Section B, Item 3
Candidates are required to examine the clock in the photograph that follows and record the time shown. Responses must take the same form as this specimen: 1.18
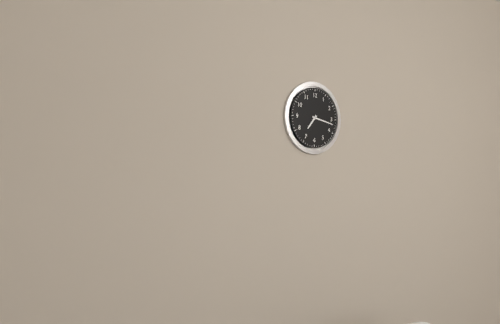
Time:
7.17
